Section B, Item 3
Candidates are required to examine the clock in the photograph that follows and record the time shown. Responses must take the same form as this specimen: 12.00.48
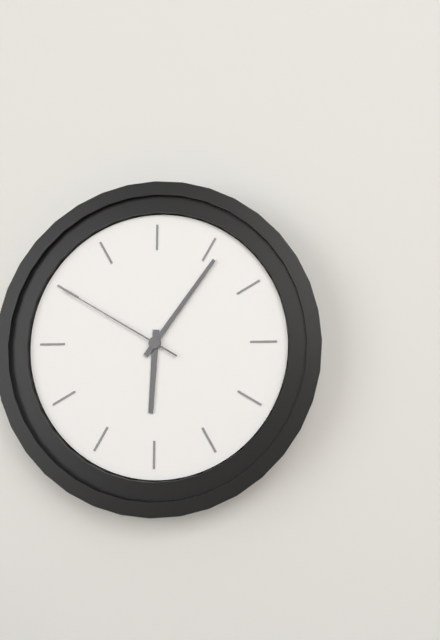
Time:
6.06.50
